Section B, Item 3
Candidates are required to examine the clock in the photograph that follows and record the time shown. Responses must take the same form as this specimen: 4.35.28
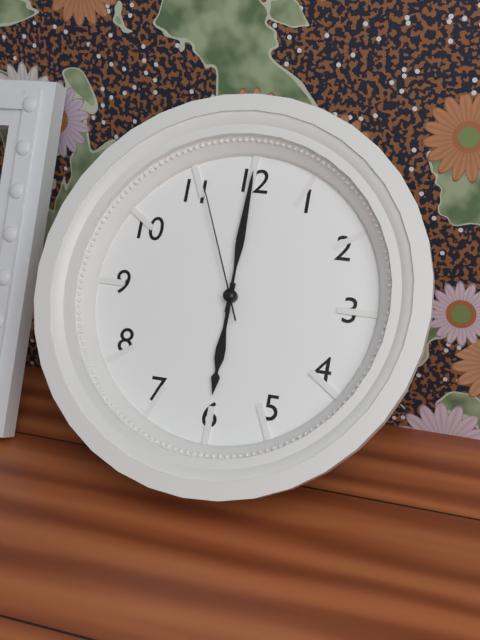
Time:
6.00.56
